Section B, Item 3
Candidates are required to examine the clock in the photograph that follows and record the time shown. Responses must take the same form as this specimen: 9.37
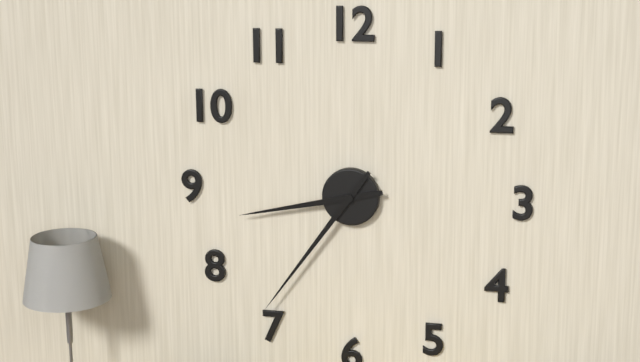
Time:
8.36
